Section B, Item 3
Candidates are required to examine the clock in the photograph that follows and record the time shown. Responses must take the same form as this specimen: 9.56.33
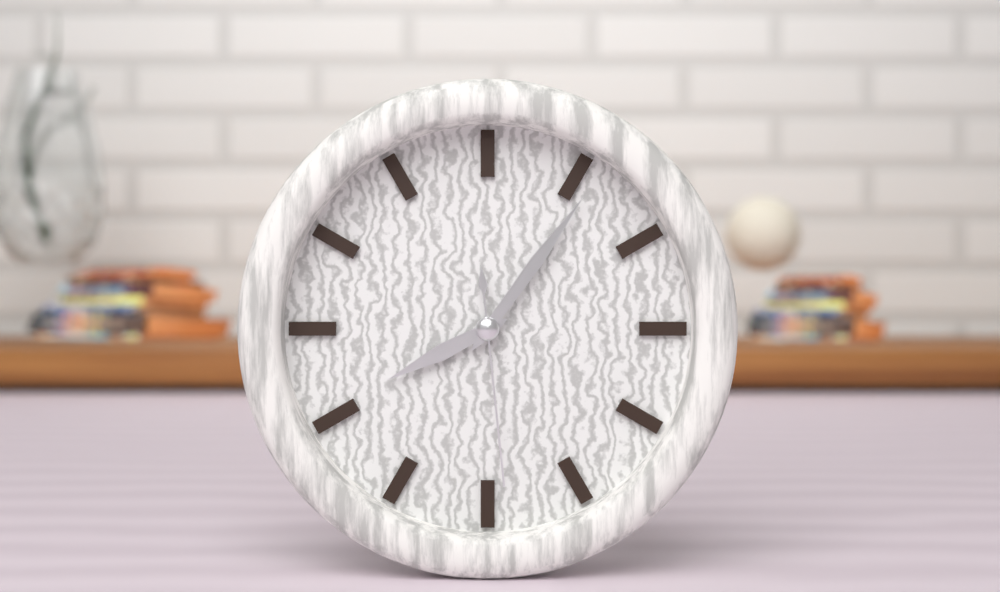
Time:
8.06.29
